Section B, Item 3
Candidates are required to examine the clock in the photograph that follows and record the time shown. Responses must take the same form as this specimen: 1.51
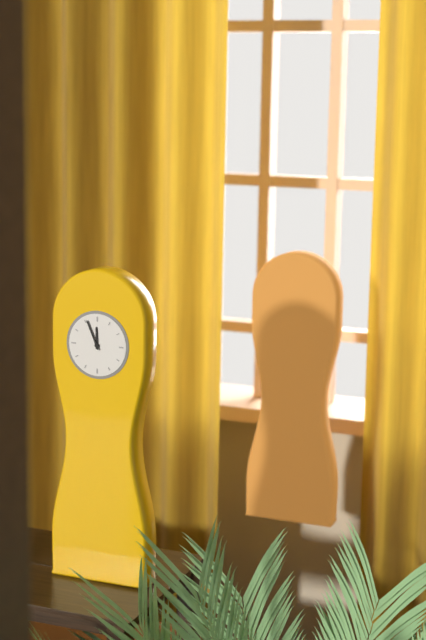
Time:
11.56
